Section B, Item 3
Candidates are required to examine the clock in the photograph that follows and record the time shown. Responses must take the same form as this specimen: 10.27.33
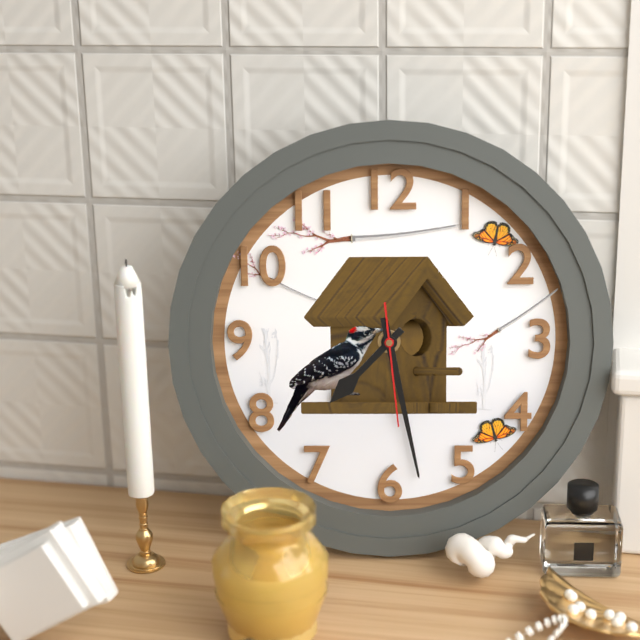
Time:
7.28.29
